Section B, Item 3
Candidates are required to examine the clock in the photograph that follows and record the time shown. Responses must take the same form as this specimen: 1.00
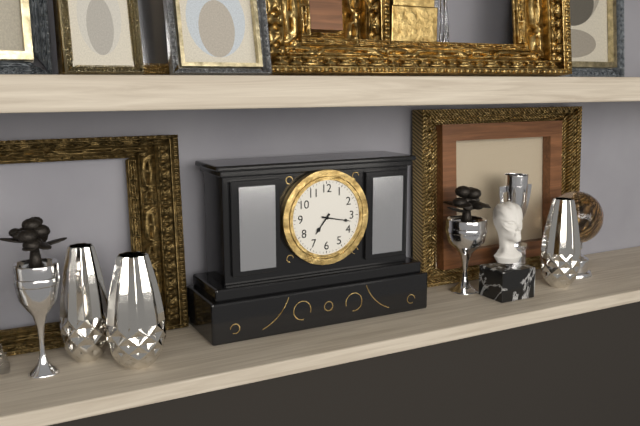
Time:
7.17
